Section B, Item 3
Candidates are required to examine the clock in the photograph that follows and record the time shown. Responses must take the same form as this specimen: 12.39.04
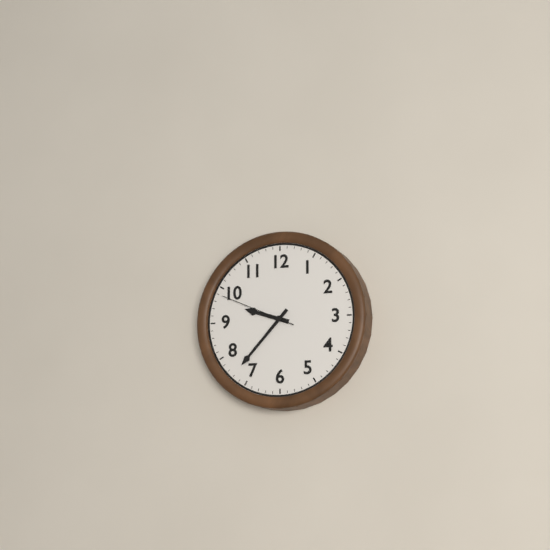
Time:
9.37.49
